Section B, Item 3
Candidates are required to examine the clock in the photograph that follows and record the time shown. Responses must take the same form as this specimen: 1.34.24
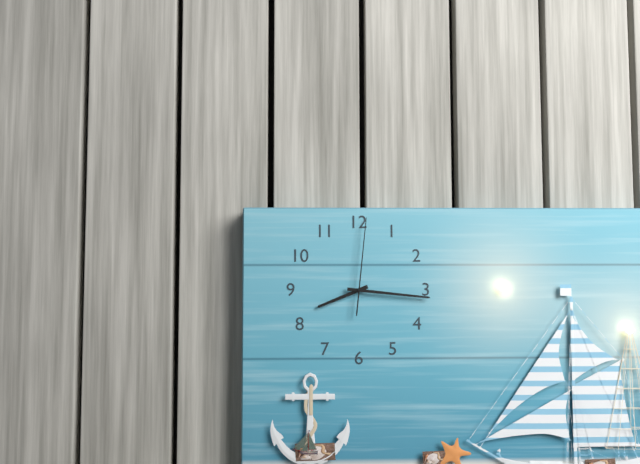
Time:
8.16.01
